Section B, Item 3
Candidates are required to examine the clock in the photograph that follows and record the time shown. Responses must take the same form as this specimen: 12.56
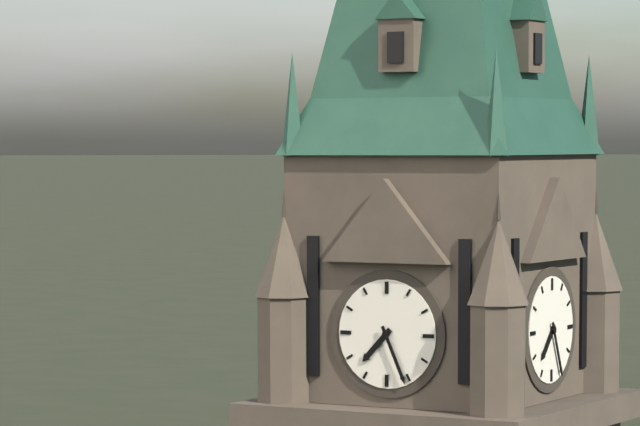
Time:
7.26
